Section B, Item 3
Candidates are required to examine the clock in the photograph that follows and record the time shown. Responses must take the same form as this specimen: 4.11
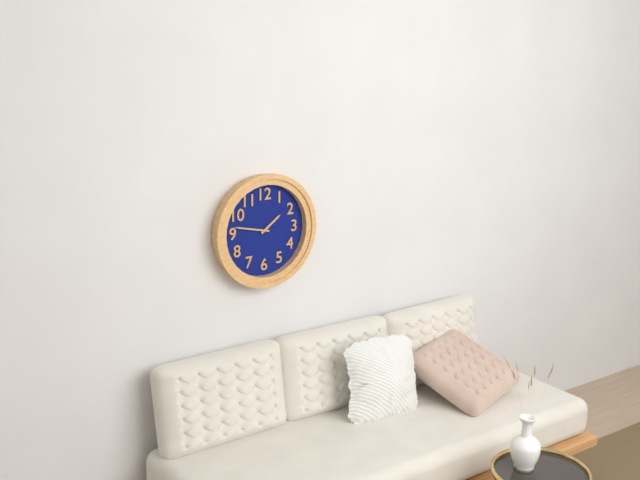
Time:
1.47
